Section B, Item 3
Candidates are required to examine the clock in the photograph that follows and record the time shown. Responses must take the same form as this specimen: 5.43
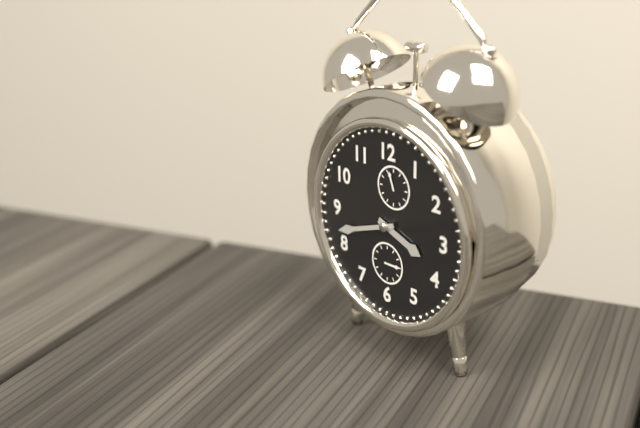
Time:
3.42
